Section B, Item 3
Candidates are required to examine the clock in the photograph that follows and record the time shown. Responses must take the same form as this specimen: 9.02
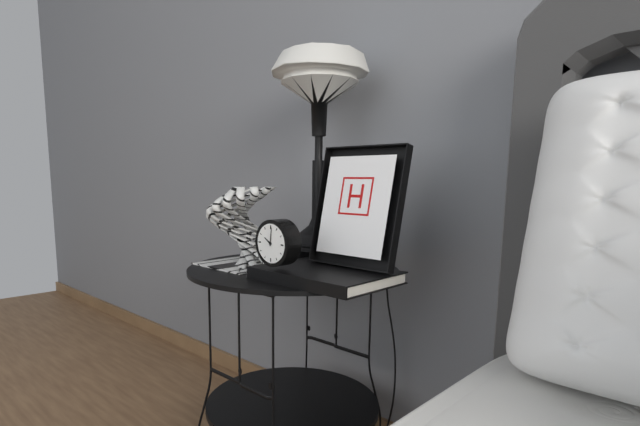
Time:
10.01
